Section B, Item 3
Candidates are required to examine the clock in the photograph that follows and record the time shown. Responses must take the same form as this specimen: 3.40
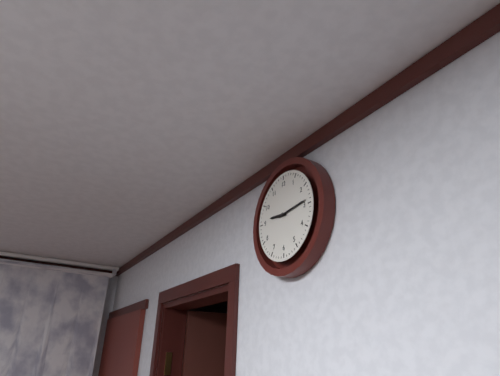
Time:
9.14
